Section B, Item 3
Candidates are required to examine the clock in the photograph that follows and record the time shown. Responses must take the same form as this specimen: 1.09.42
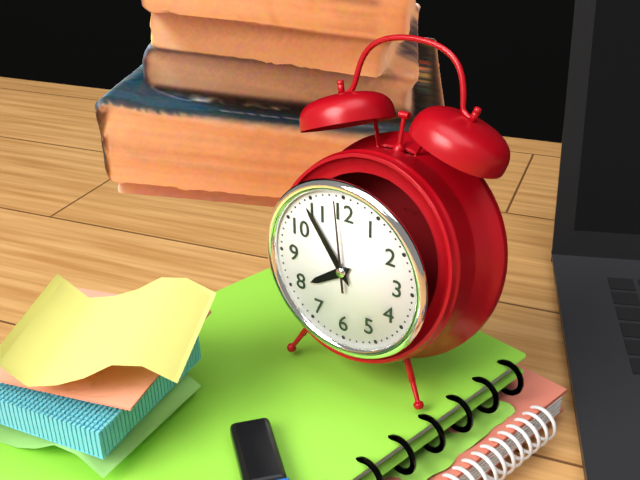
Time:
7.54.59
